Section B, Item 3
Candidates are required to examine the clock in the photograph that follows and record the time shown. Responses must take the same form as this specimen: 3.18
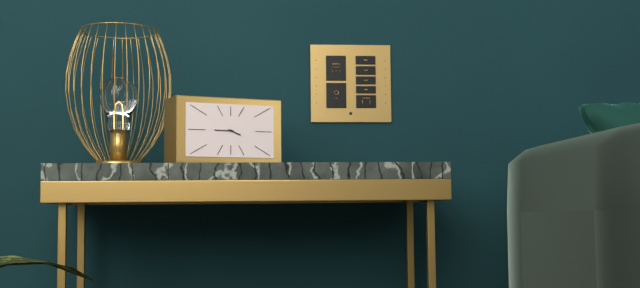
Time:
3.45
